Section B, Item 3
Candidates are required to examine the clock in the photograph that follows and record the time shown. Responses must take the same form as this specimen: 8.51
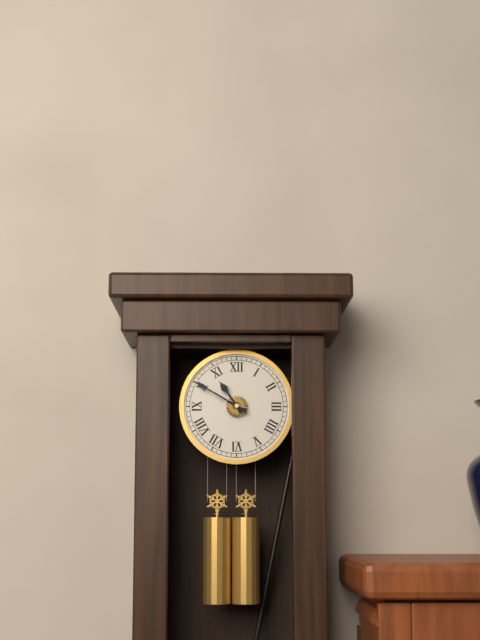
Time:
10.50
